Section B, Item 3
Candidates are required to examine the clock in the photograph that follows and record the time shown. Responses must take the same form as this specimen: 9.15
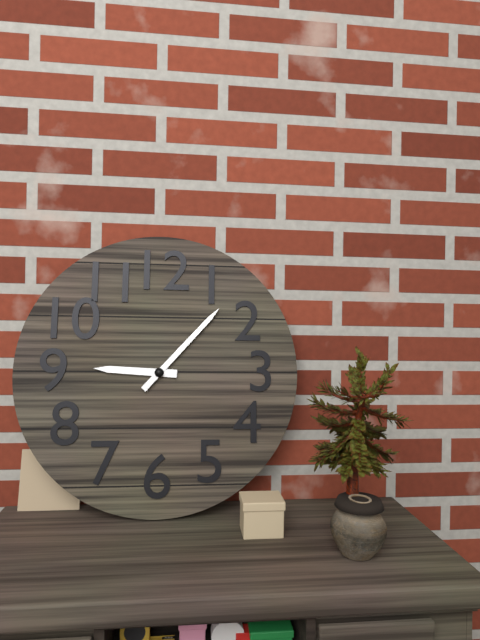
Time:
9.07
